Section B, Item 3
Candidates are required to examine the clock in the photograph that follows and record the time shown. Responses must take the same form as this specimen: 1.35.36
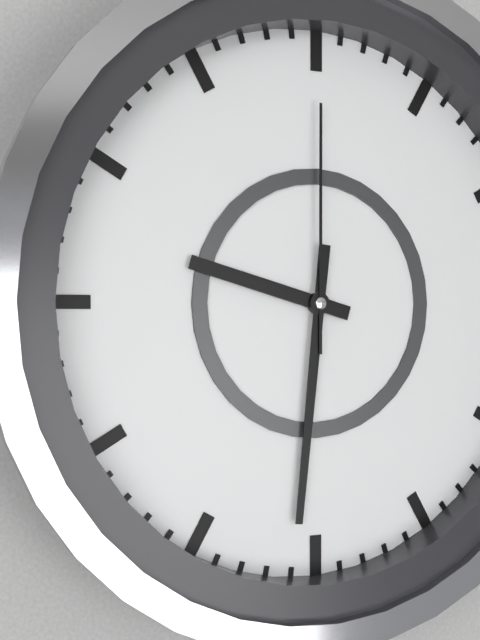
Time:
9.31.00
